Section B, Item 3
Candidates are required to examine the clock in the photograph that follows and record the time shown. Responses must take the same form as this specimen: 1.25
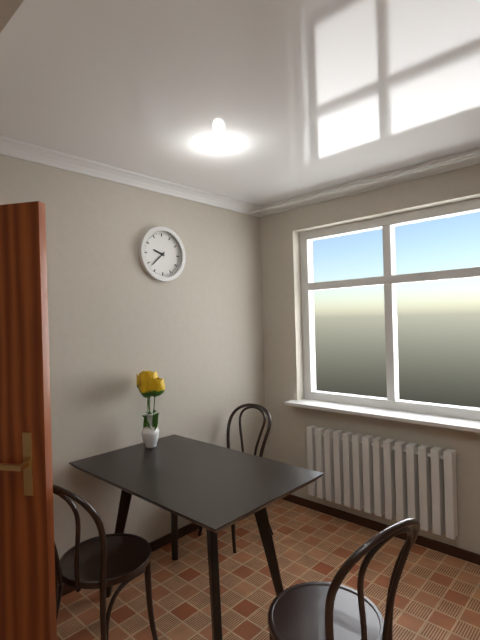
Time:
9.38
